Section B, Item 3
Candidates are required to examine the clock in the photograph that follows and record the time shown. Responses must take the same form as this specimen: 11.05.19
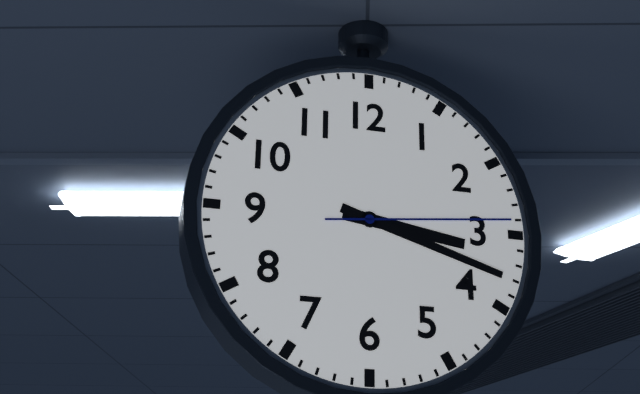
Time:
3.18.14
